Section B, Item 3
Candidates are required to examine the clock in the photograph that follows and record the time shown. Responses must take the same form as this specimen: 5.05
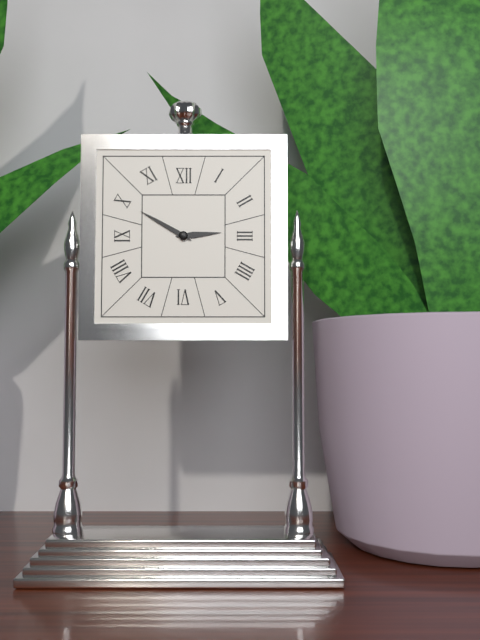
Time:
2.50
